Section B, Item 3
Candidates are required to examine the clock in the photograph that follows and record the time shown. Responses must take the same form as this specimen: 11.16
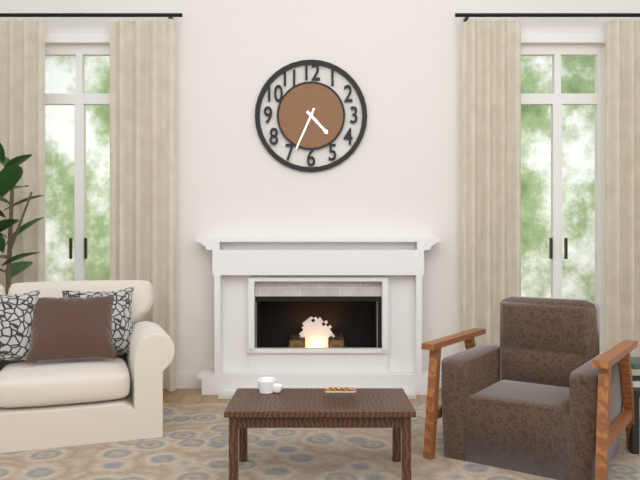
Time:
4.34
